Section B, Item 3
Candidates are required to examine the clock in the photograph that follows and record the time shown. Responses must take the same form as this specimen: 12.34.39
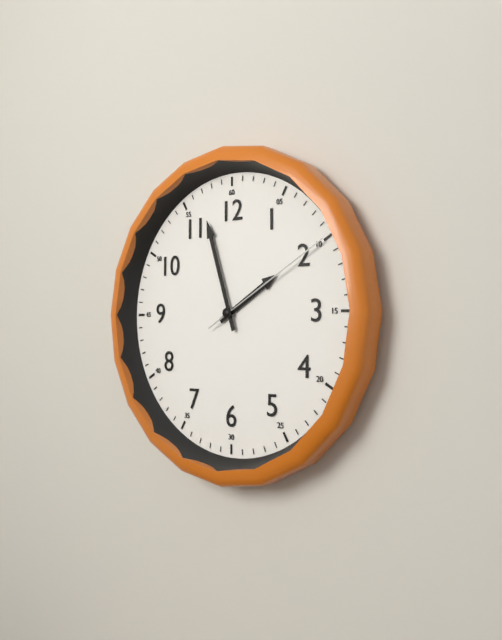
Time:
1.57.10
